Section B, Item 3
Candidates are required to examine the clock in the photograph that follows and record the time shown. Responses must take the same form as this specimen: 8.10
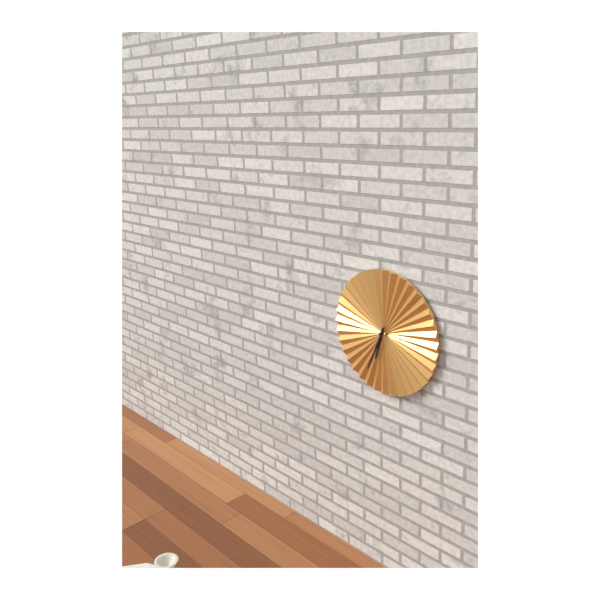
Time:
6.34
